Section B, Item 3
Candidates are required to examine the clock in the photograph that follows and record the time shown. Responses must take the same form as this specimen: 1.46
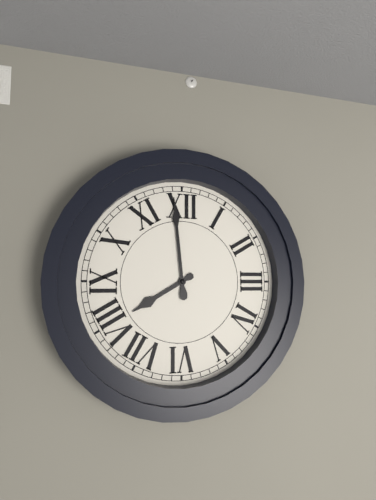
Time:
7.59
